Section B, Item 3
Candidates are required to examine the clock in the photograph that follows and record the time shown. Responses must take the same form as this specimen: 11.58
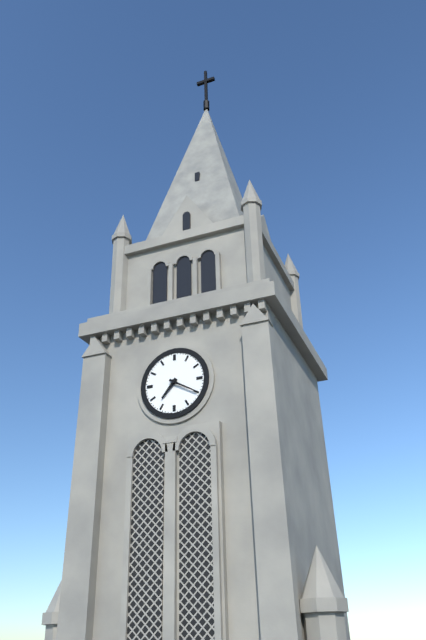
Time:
7.20
